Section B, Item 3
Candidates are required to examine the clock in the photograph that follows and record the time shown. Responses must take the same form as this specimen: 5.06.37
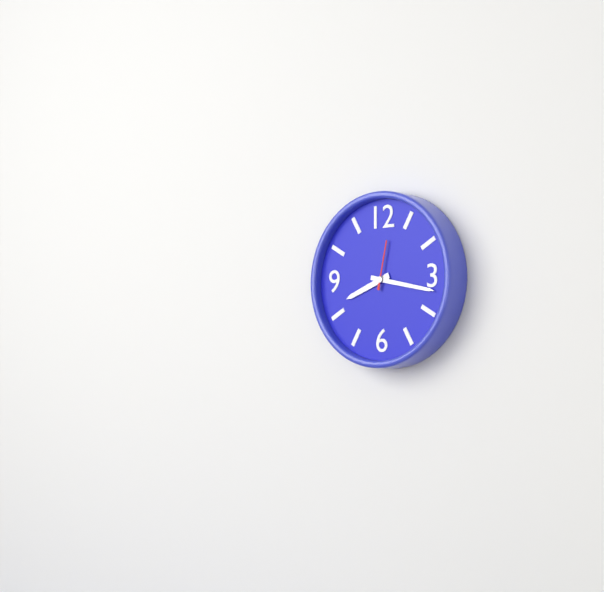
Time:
8.17.02
